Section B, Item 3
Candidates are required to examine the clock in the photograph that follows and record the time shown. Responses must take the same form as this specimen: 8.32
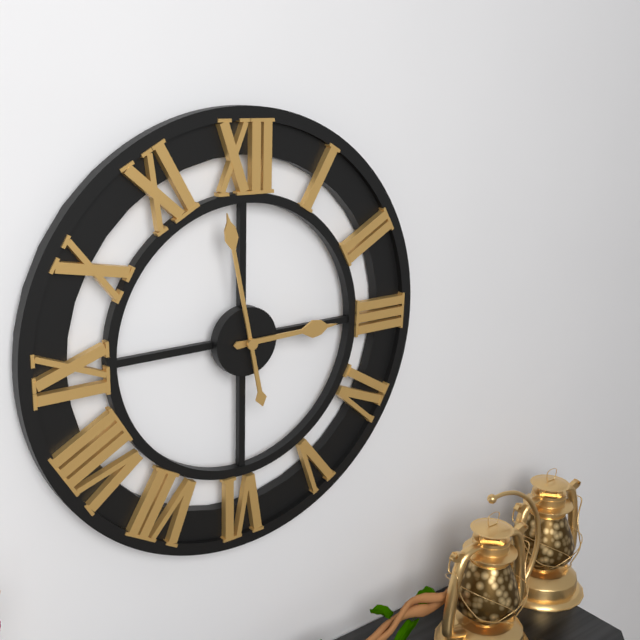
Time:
2.58
